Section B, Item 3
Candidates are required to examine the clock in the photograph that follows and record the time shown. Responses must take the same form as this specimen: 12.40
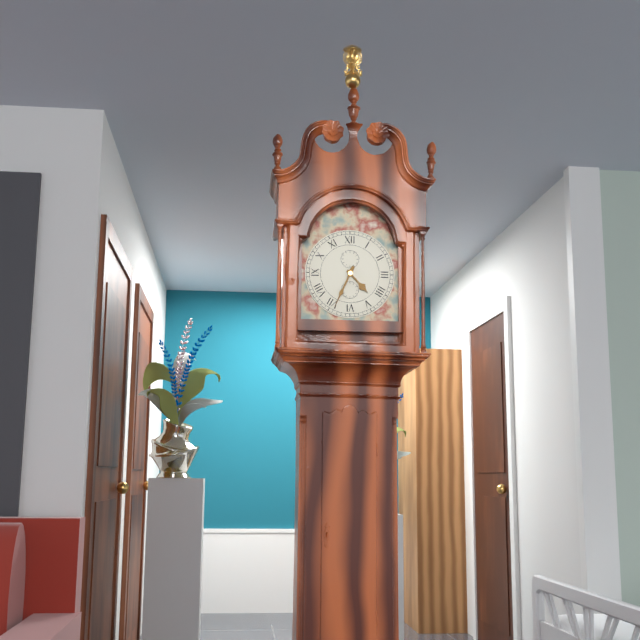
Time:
4.34
